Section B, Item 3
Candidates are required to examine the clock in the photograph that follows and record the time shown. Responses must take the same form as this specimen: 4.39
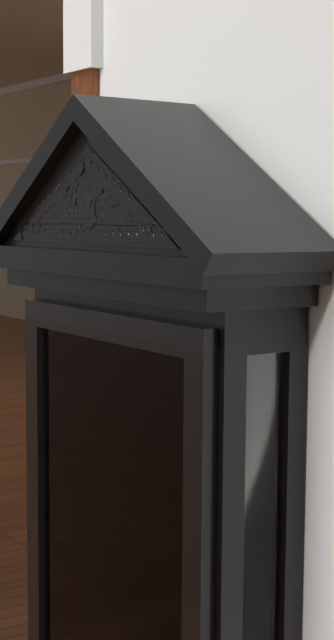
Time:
5.01
